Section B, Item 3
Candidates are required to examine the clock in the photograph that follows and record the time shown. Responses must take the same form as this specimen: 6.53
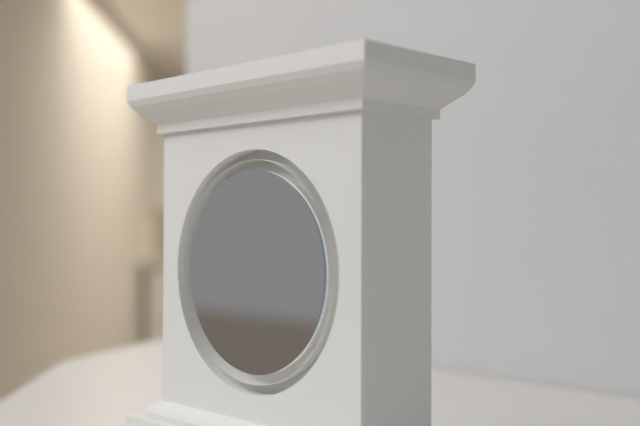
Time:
10.24
